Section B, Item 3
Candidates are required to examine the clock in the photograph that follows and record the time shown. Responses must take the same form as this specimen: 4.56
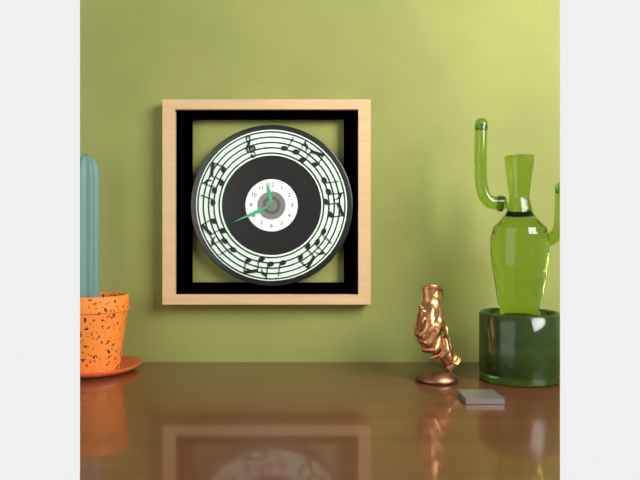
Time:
11.41
